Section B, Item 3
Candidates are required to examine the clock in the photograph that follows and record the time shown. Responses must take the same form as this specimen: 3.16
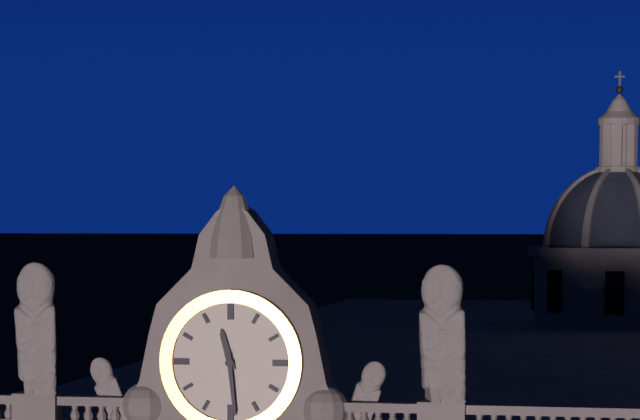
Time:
11.29
